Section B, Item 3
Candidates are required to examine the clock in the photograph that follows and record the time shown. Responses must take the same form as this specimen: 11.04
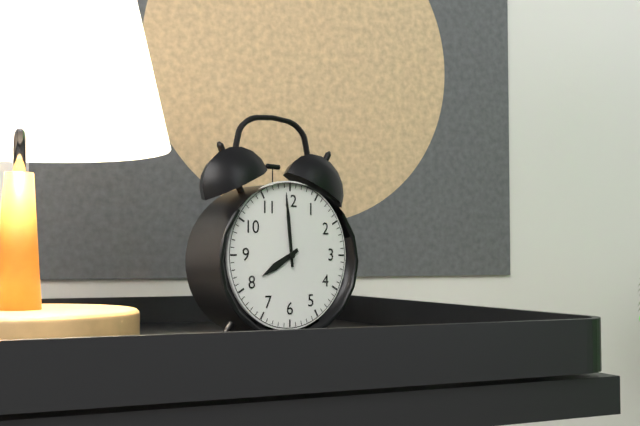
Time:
7.59
